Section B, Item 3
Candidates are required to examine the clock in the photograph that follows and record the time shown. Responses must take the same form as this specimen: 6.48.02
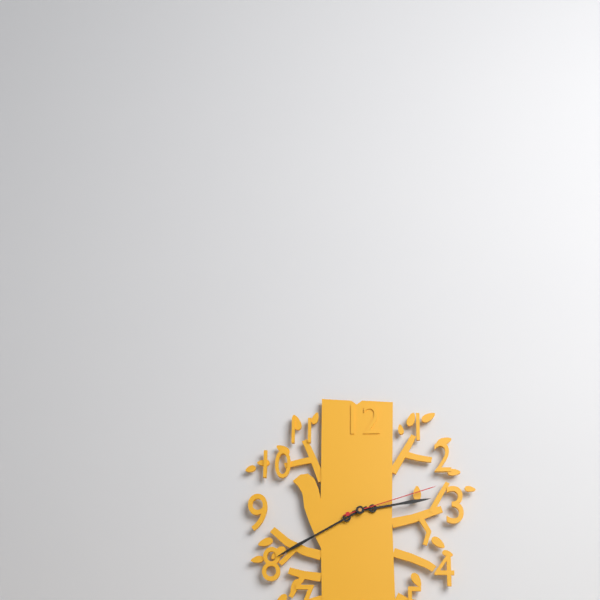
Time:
2.40.12
